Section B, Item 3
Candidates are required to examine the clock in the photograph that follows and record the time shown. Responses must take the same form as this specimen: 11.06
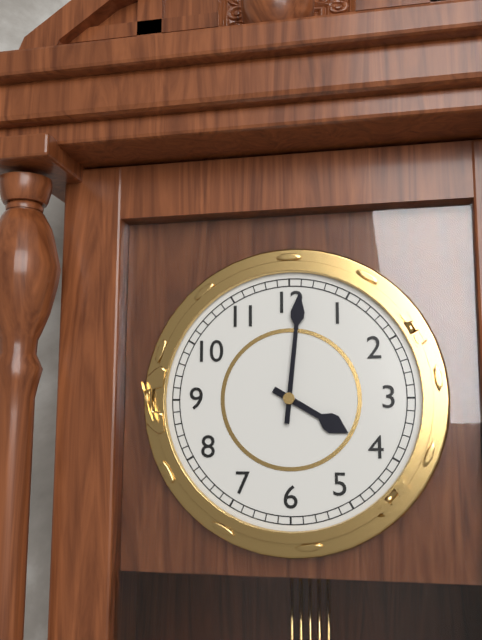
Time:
4.01
